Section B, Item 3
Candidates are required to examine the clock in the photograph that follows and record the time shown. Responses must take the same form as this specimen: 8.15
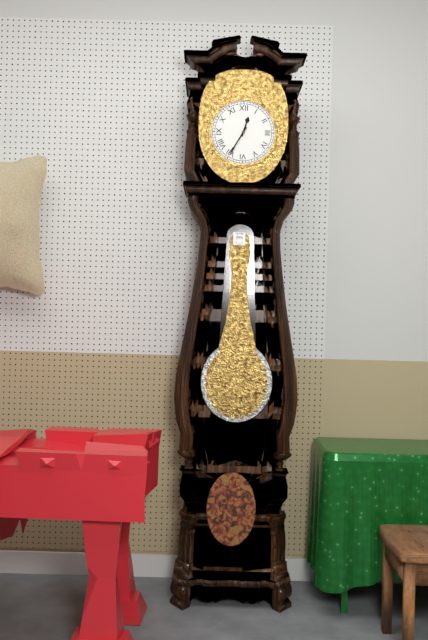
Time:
12.35
